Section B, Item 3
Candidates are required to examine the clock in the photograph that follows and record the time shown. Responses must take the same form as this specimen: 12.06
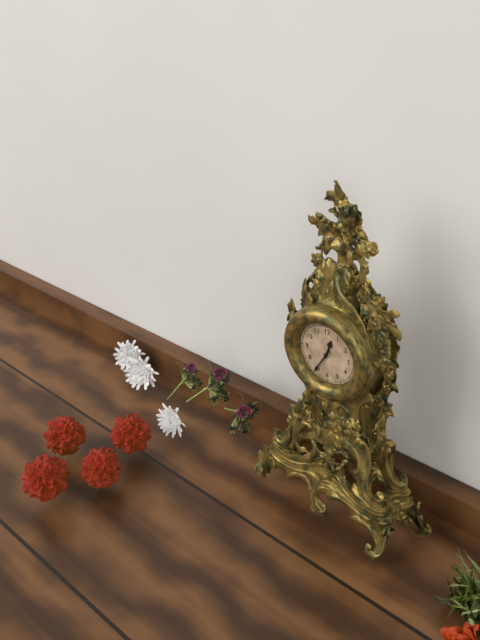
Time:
12.35
